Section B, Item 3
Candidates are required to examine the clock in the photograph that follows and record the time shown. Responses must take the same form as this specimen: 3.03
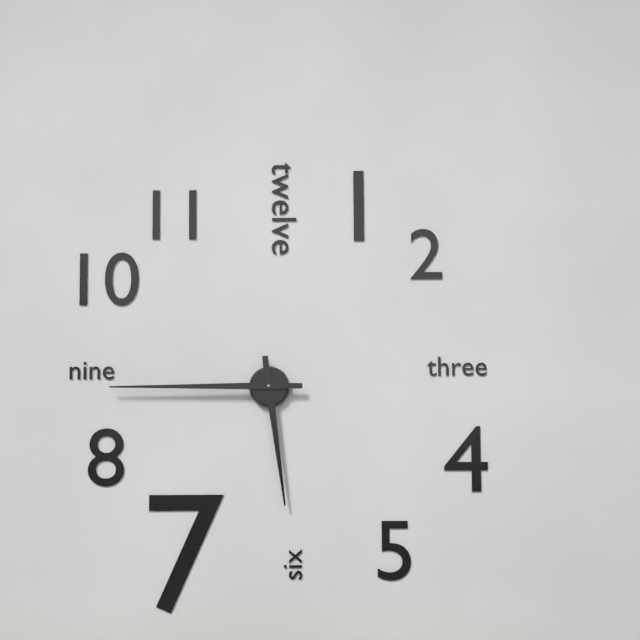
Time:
5.45
